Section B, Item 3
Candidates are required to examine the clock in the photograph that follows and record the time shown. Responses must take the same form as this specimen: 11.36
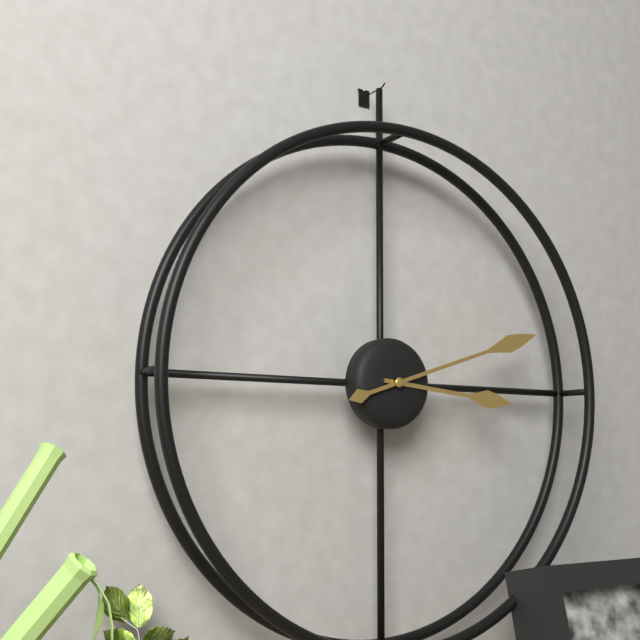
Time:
3.12
